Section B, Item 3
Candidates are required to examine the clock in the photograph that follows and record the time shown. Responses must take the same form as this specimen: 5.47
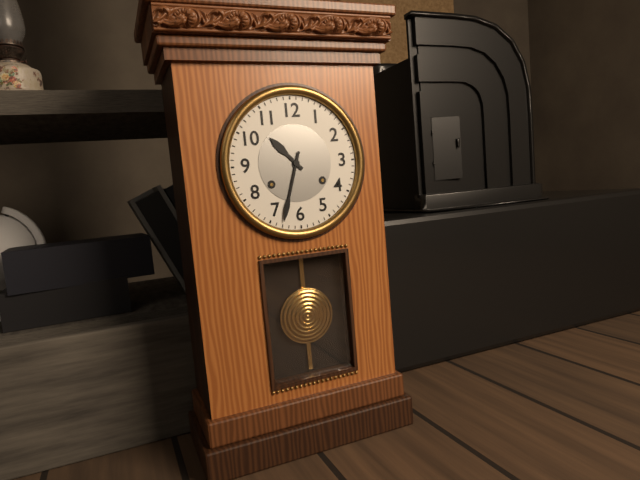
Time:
10.33
